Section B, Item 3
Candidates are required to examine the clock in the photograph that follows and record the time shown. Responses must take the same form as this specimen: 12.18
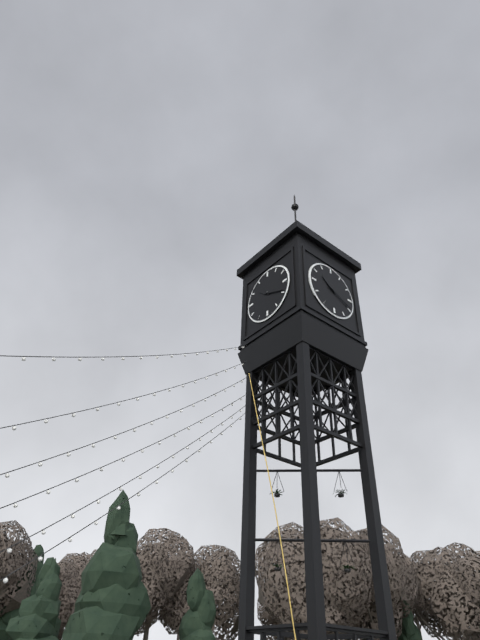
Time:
10.19
